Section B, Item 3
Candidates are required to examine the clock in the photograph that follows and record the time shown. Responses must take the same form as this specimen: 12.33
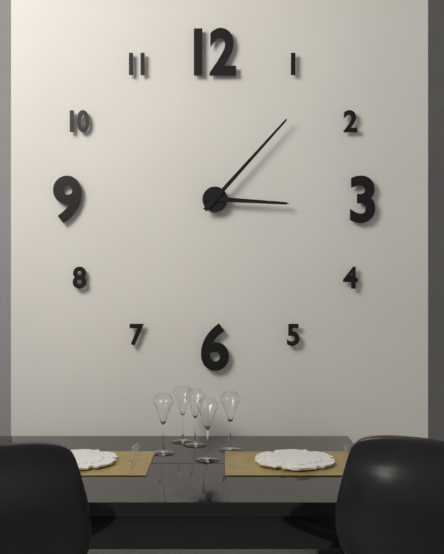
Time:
3.07
